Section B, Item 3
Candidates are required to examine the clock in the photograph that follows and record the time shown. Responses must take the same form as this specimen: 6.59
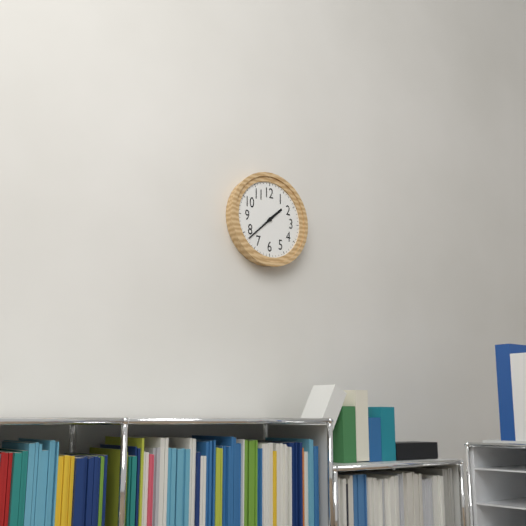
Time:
1.38
